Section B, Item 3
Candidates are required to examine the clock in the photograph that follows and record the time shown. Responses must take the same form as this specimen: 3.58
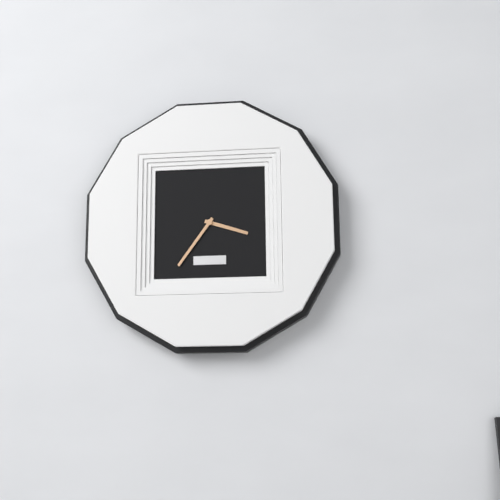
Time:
3.36
